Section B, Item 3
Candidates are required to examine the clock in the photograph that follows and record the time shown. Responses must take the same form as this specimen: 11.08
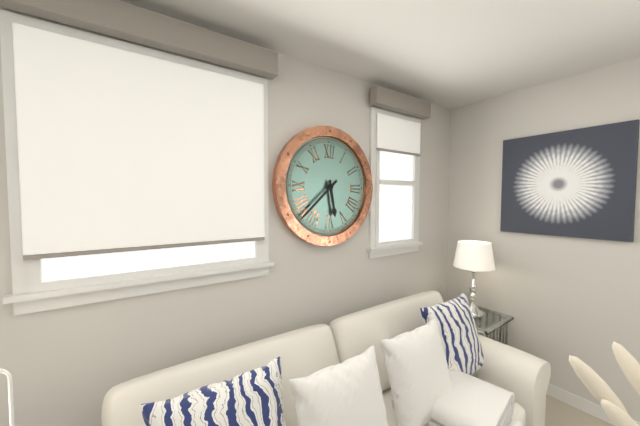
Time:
5.38
